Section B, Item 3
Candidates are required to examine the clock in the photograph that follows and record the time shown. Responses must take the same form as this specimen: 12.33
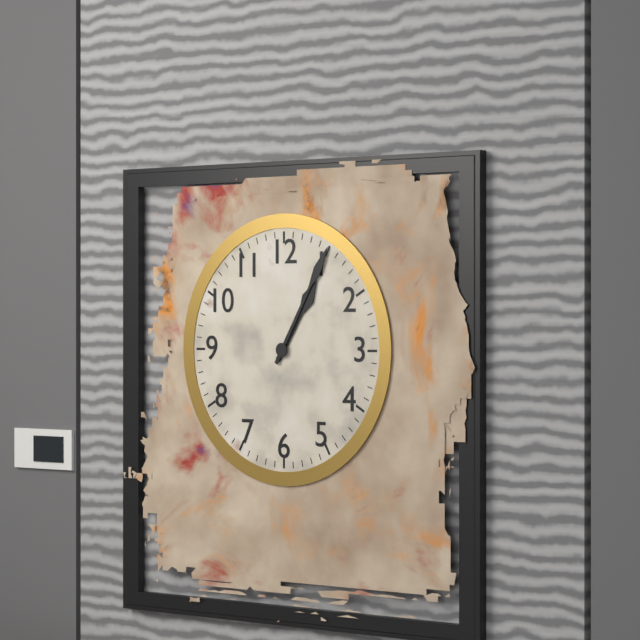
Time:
1.05
